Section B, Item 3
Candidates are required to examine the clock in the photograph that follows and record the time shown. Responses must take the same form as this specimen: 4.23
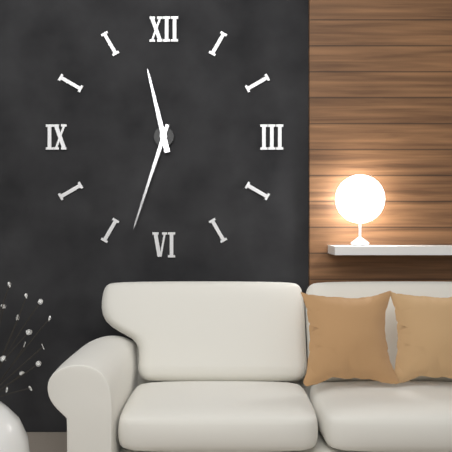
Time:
11.33
